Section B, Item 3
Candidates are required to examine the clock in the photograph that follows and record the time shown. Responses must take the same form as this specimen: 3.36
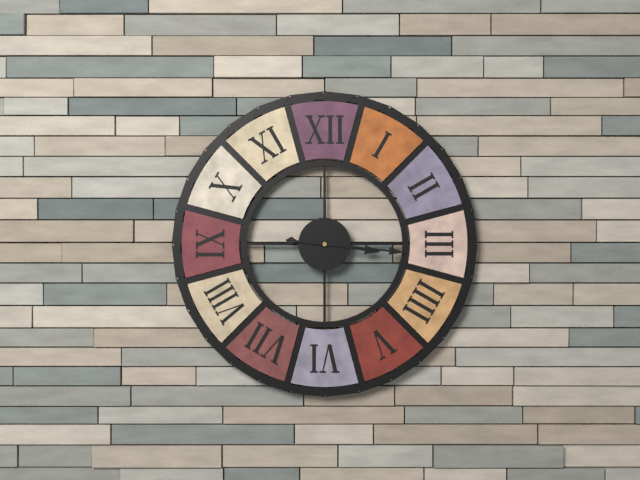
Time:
3.16
